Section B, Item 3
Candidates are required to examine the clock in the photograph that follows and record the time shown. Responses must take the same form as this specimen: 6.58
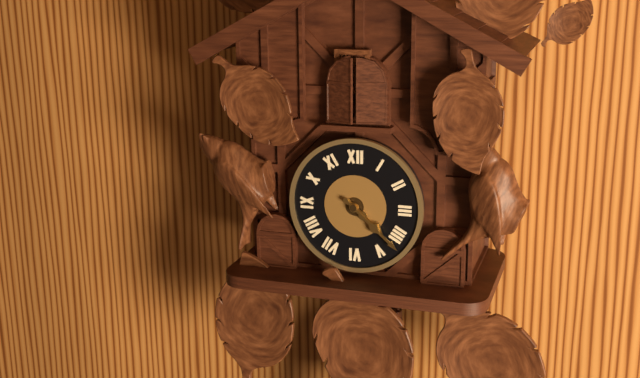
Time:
4.22
